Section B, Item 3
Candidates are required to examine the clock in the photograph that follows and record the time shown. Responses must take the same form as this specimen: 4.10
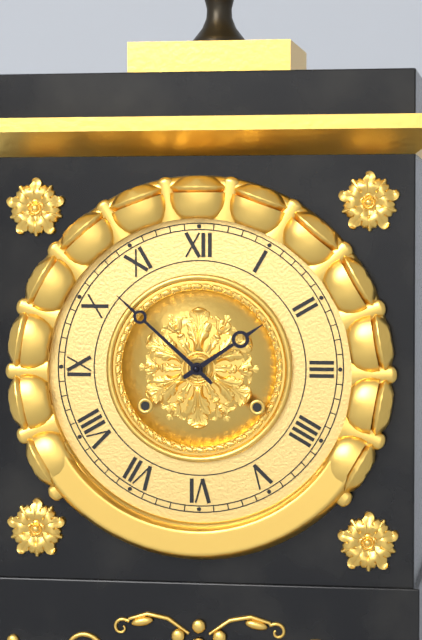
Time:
1.52
